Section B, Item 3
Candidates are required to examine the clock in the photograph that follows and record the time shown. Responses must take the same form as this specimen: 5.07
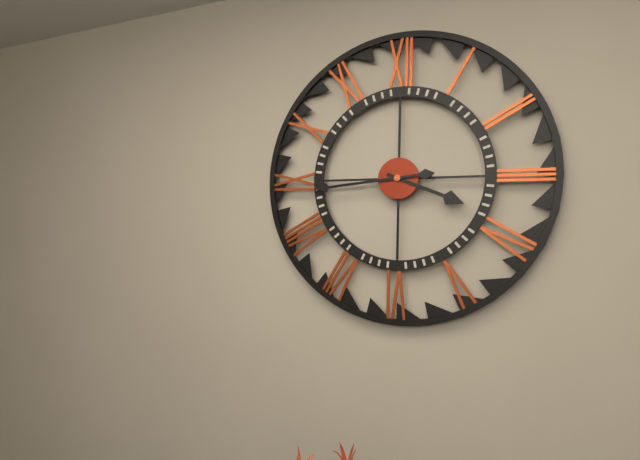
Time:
3.44
